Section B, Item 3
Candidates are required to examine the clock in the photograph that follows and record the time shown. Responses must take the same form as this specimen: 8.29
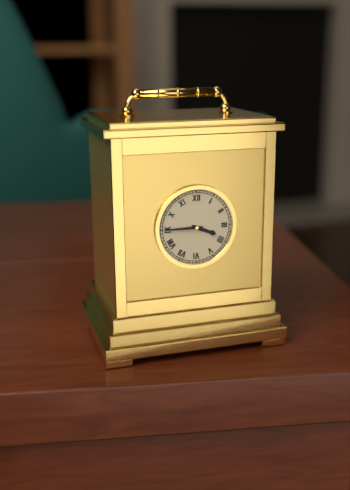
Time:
3.45
